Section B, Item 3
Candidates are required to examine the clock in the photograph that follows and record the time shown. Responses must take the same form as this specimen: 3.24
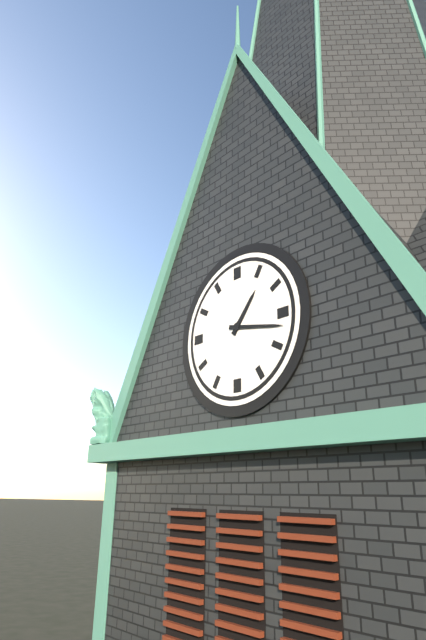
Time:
1.17
